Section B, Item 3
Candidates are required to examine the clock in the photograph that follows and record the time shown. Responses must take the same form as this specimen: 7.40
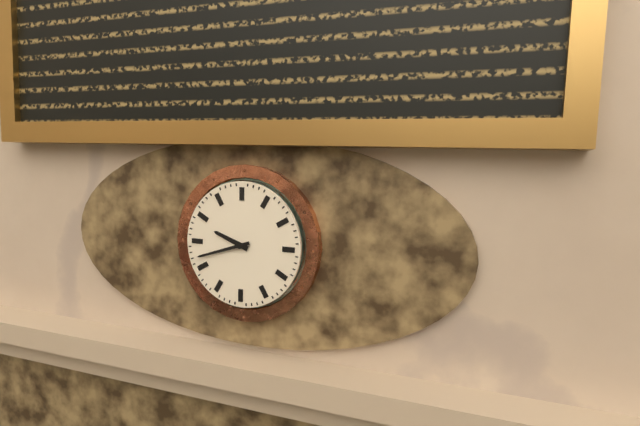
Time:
9.42
